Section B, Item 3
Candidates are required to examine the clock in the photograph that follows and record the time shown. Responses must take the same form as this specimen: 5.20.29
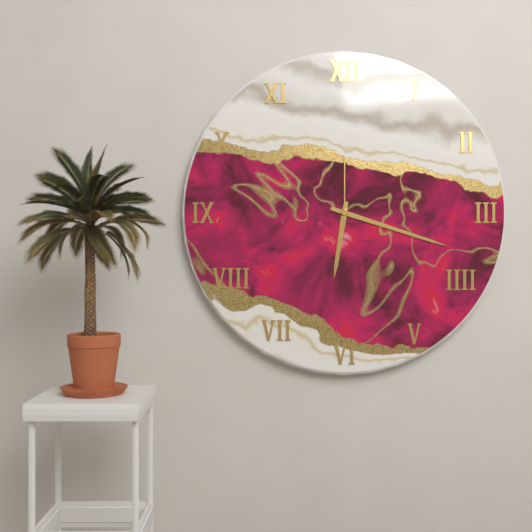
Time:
6.18.00
